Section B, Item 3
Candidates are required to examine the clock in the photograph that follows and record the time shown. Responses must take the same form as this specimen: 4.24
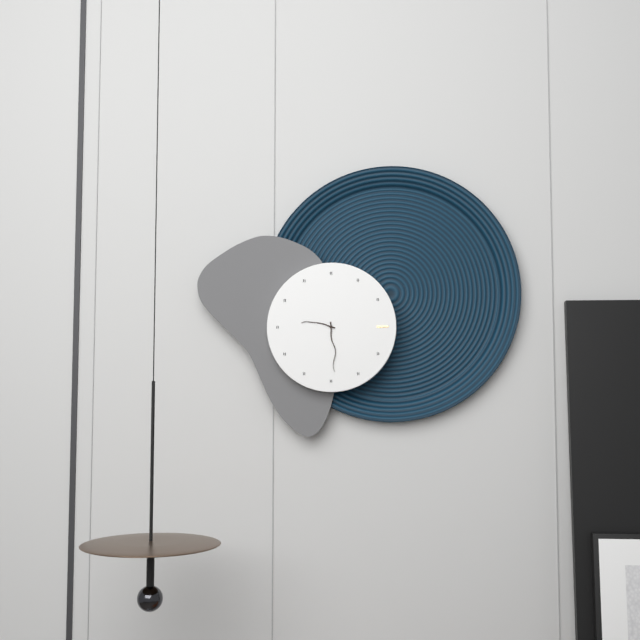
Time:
9.29
